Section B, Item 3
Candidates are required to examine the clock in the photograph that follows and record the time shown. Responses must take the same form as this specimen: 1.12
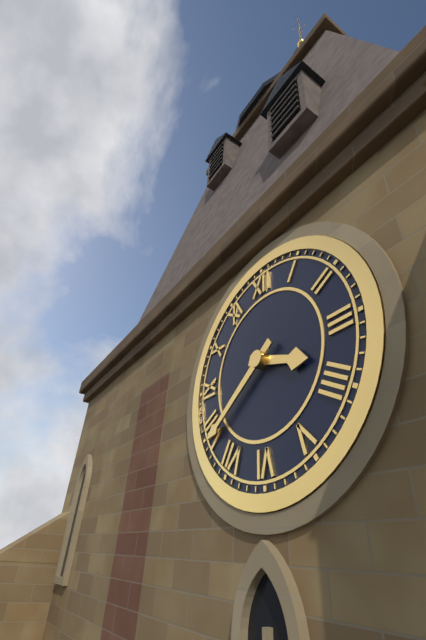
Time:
3.39
